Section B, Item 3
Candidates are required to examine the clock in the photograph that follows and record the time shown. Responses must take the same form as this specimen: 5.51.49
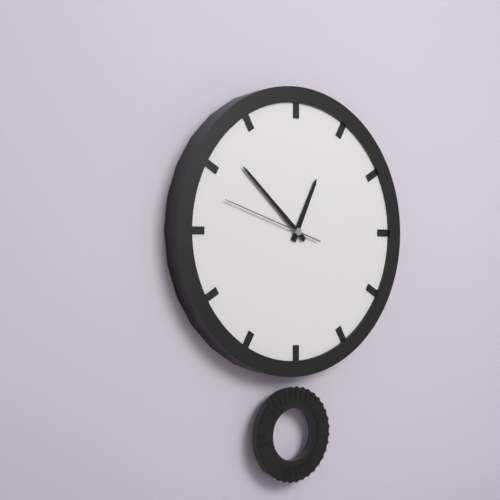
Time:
12.52.48
